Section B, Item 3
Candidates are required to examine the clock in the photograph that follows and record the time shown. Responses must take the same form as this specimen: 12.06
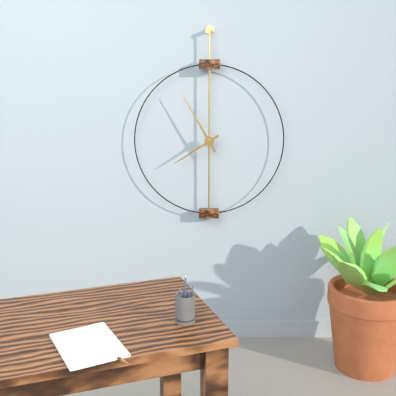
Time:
7.55
